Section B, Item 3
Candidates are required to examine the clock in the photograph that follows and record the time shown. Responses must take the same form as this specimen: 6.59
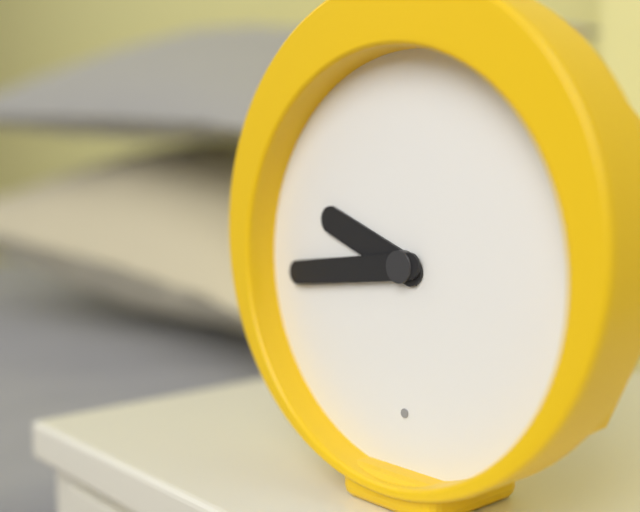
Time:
9.44
